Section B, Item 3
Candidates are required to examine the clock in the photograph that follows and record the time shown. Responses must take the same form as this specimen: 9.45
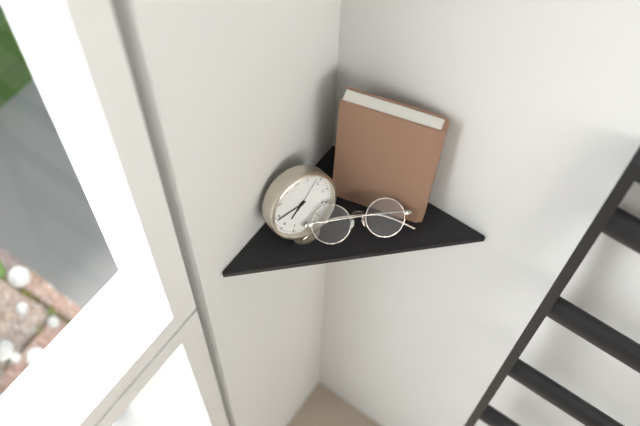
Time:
7.44
